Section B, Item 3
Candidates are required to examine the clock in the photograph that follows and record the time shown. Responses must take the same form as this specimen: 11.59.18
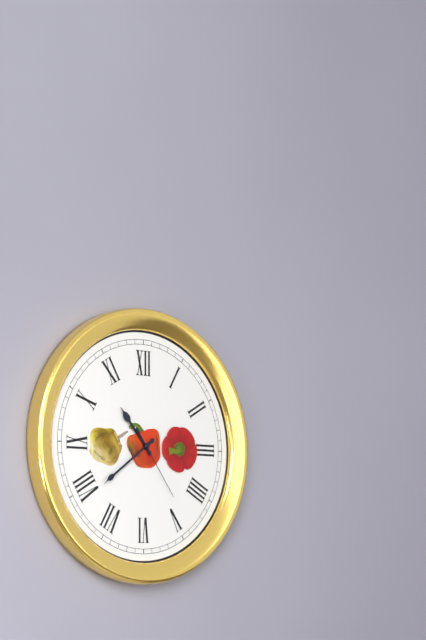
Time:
10.39.24
